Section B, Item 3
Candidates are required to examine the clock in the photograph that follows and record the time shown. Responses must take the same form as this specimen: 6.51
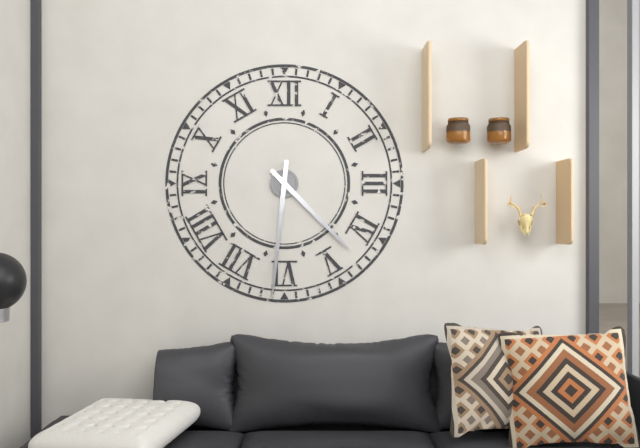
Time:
4.31
